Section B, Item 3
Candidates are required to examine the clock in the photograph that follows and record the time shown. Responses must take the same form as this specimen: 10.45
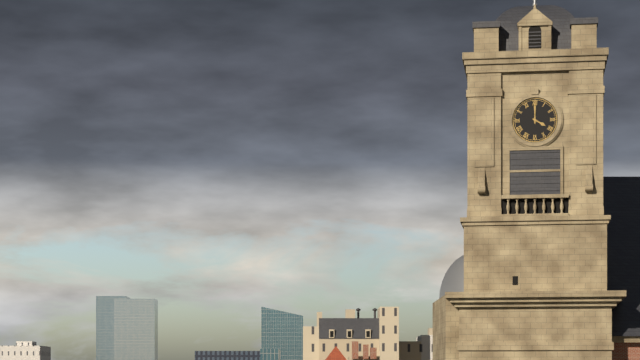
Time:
4.00
